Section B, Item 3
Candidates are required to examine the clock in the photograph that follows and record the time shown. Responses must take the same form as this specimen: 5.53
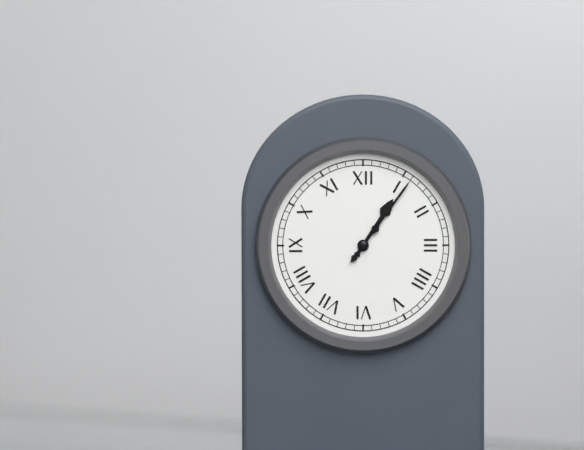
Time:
1.06
